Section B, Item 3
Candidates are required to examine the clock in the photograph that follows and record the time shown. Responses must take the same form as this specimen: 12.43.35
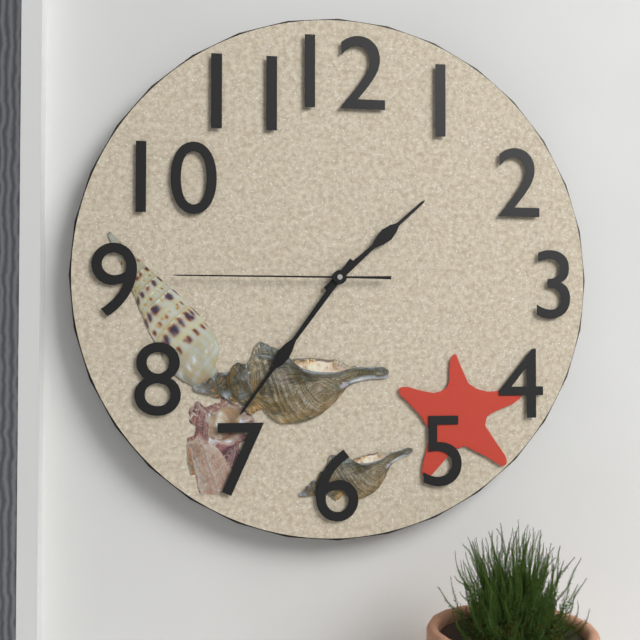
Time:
1.36.45
